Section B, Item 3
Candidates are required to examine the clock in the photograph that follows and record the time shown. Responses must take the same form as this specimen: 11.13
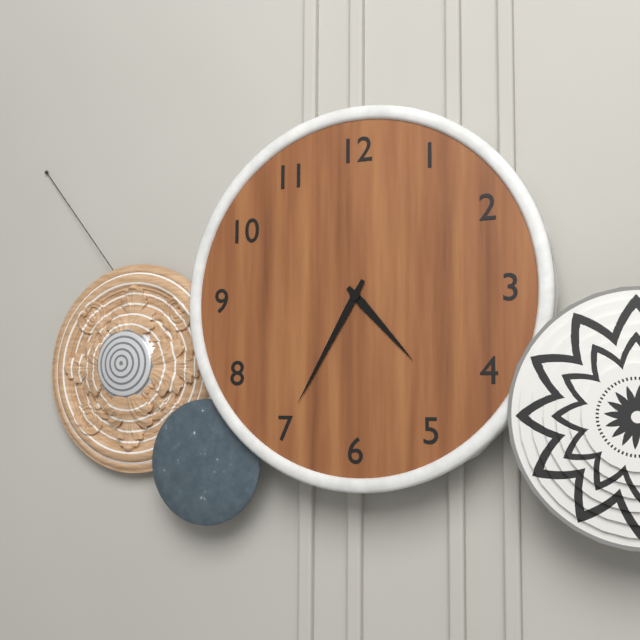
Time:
4.35
